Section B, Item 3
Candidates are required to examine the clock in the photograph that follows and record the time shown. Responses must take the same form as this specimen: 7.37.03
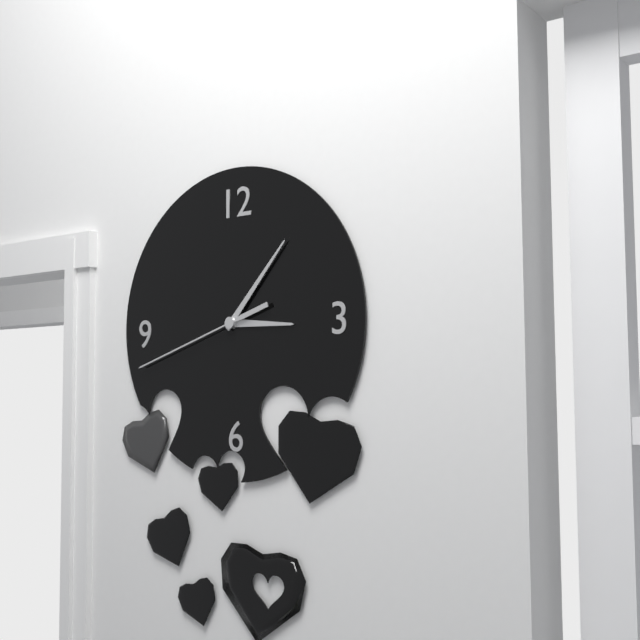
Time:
3.07.42
